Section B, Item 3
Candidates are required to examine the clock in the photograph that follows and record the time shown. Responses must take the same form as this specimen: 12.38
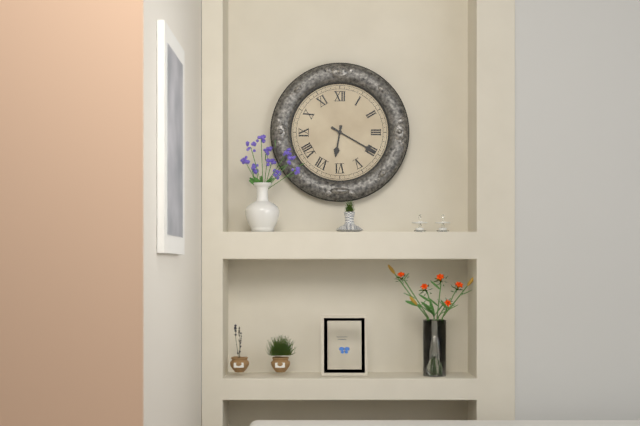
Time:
6.20
